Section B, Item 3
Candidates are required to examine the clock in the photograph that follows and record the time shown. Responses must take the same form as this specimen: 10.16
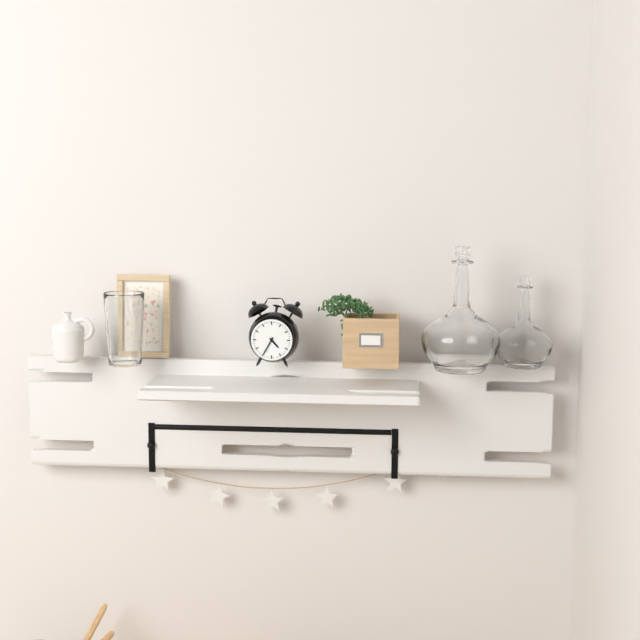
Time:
4.35
